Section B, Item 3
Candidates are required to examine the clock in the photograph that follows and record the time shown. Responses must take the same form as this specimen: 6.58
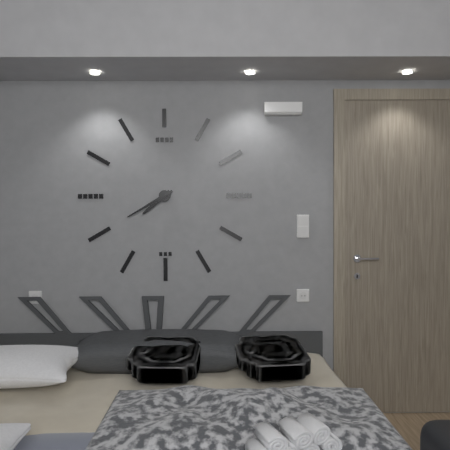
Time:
7.40
